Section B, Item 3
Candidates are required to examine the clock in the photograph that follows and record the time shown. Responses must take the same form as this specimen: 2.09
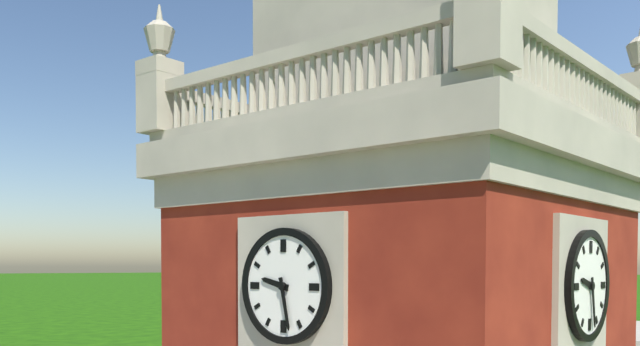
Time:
9.28
